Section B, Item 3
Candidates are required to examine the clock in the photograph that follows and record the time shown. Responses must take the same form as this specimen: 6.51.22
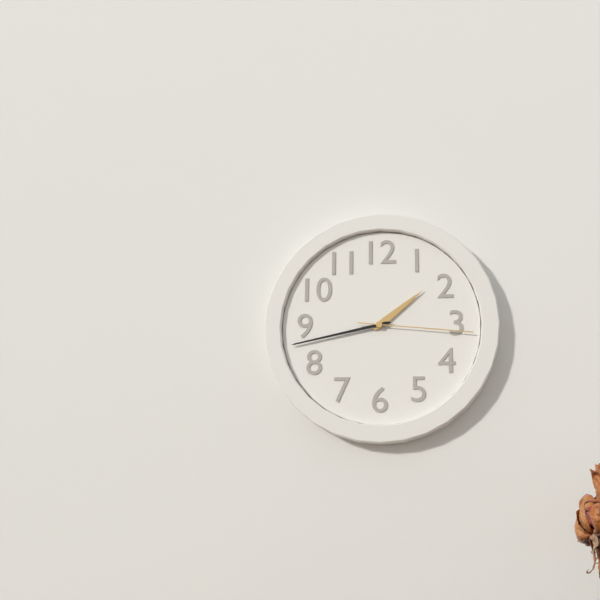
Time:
1.43.16
